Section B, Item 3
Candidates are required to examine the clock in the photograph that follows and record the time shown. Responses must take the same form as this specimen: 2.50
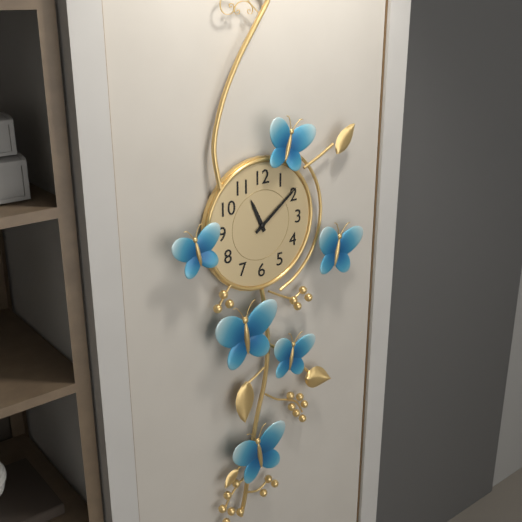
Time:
11.09
